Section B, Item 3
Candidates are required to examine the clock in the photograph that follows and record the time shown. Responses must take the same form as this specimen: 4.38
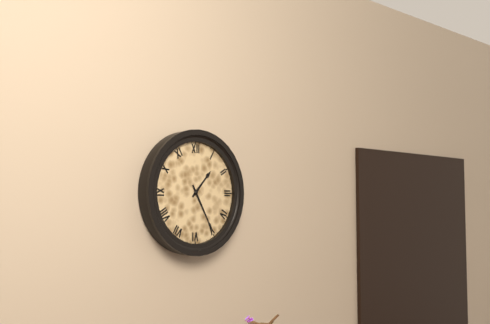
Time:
1.25
